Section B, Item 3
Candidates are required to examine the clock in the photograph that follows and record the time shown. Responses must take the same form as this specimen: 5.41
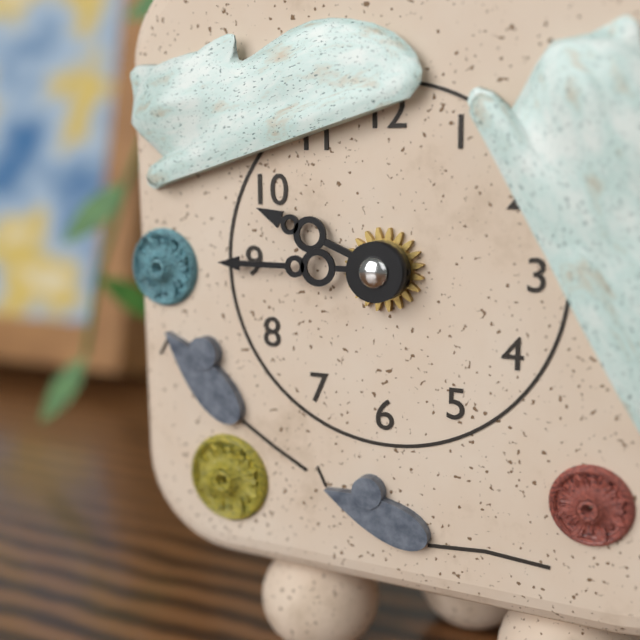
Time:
9.45
